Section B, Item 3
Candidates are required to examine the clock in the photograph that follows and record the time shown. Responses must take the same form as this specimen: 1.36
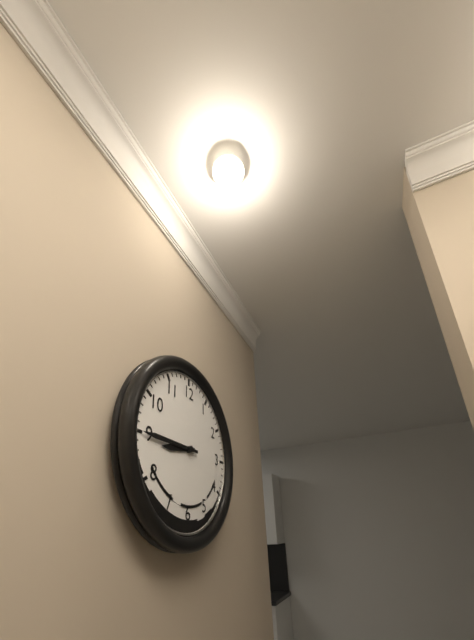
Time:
8.45
